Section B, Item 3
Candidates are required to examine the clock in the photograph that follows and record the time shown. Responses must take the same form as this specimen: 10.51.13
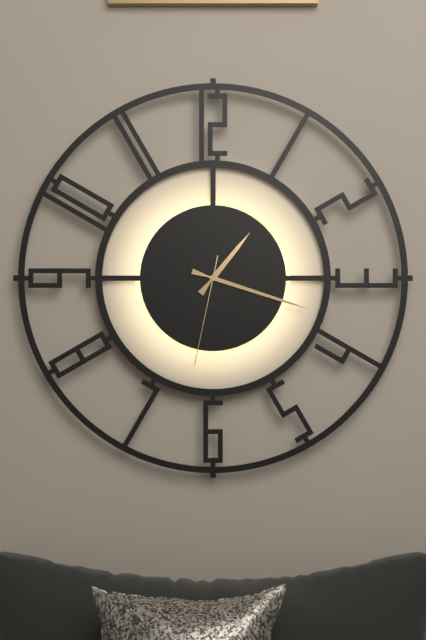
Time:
1.18.32
